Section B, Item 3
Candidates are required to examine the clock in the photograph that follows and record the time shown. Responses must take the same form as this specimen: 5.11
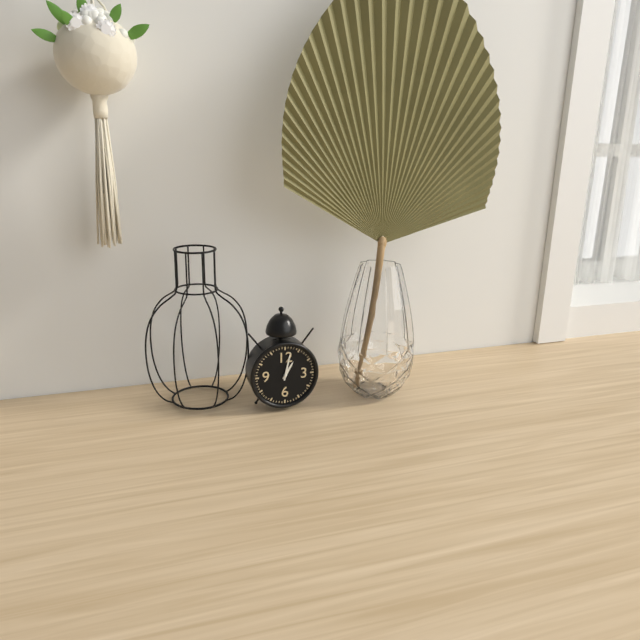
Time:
1.02
